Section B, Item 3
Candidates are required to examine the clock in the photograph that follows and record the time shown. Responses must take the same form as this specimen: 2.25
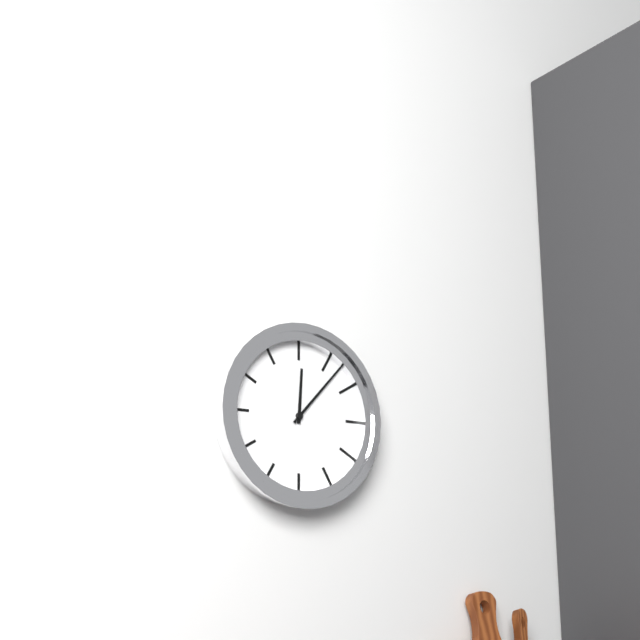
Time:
12.07
